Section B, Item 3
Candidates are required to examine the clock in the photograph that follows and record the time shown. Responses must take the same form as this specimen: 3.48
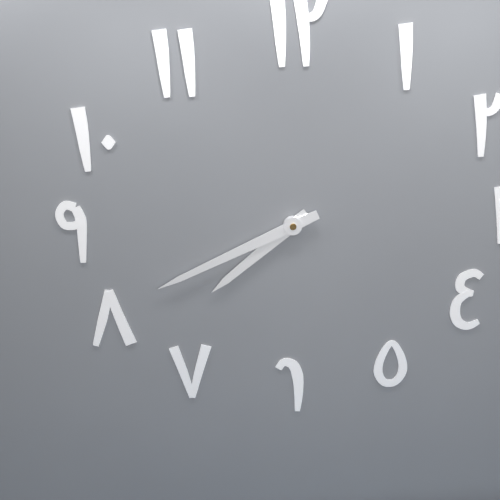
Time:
7.41
